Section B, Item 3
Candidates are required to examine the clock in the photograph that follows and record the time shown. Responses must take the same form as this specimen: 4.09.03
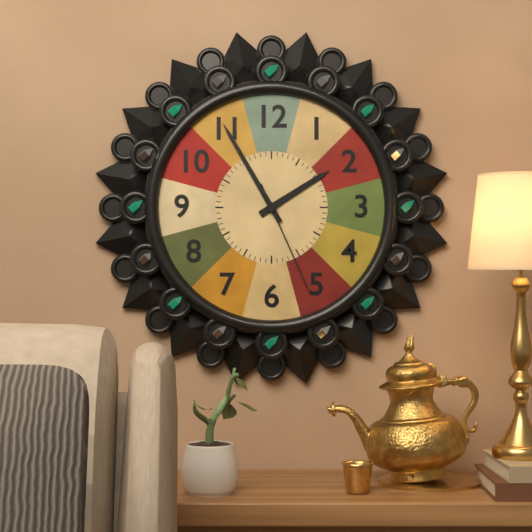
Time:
1.55.26
